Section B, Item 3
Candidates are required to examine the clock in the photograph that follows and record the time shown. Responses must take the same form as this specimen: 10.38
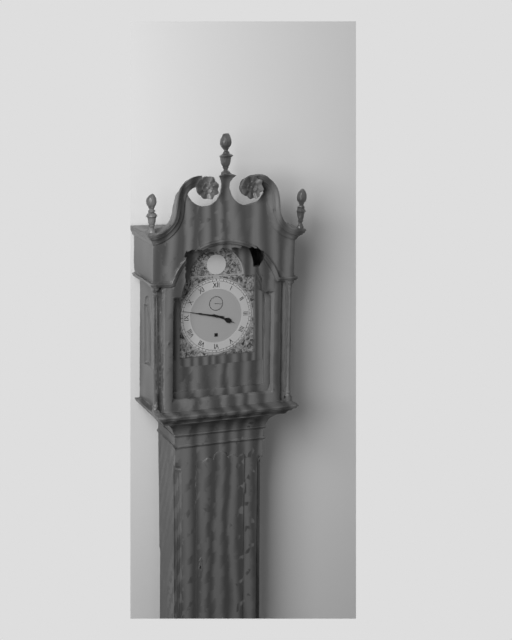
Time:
3.47
